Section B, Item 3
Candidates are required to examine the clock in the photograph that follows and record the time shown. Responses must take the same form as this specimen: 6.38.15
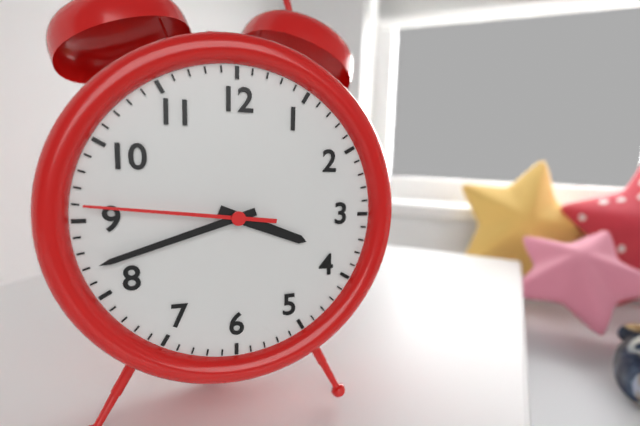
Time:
3.42.46
